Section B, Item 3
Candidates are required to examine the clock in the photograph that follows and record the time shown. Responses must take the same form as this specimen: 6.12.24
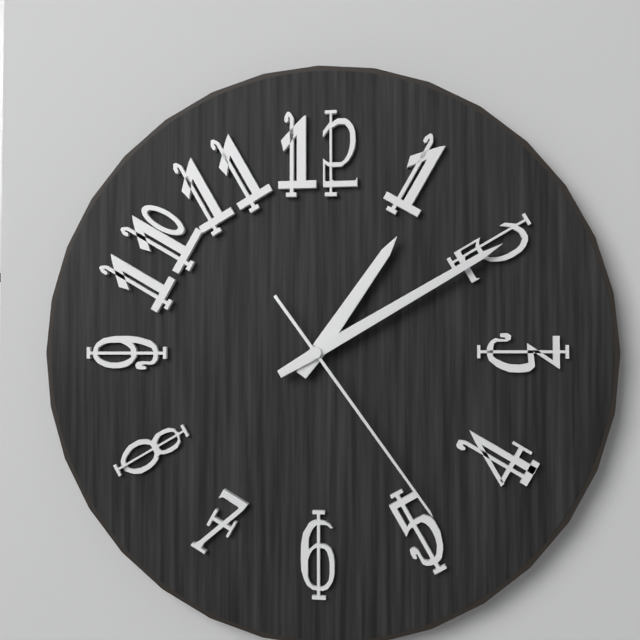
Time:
1.10.24
